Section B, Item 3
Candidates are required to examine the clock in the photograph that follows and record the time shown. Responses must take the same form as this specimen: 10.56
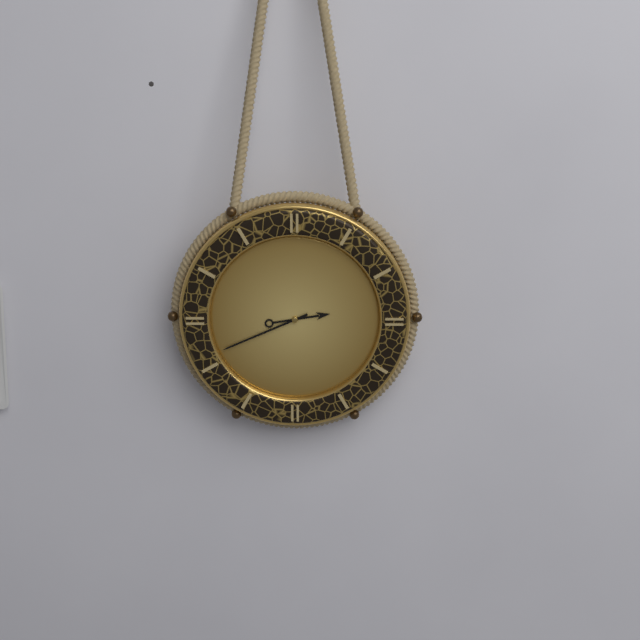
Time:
2.41
